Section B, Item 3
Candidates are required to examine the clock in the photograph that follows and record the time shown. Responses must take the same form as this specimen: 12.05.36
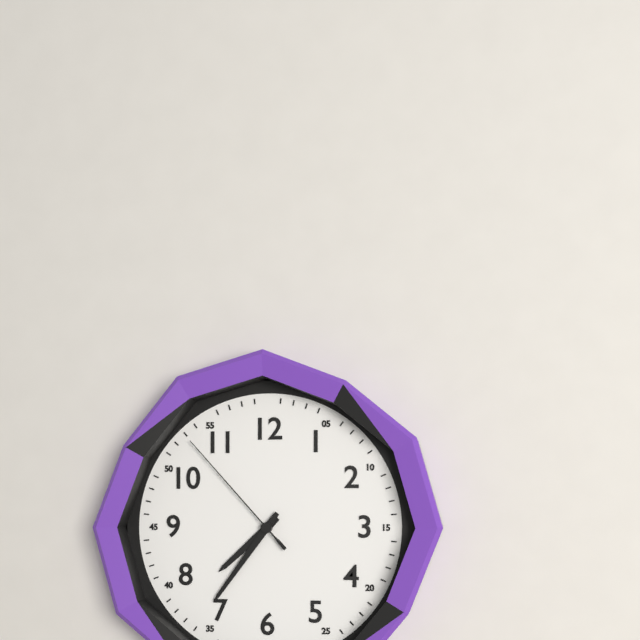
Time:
7.36.53
